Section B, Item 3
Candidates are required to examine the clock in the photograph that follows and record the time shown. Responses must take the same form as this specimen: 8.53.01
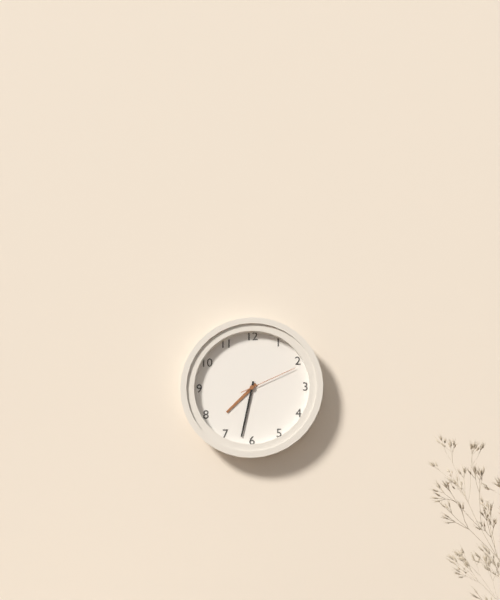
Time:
7.32.11
